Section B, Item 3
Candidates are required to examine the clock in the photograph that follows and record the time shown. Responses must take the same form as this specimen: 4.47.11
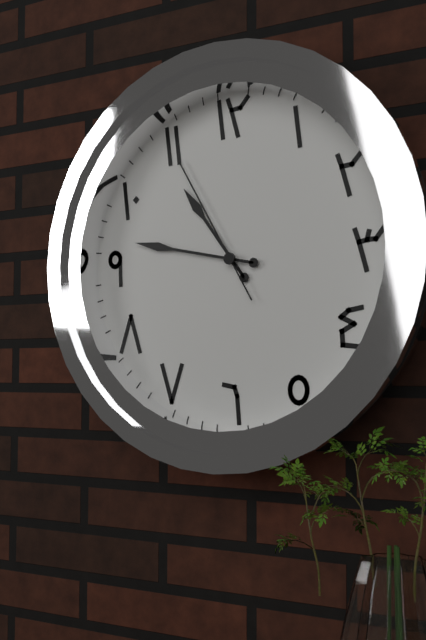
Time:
10.47.55
